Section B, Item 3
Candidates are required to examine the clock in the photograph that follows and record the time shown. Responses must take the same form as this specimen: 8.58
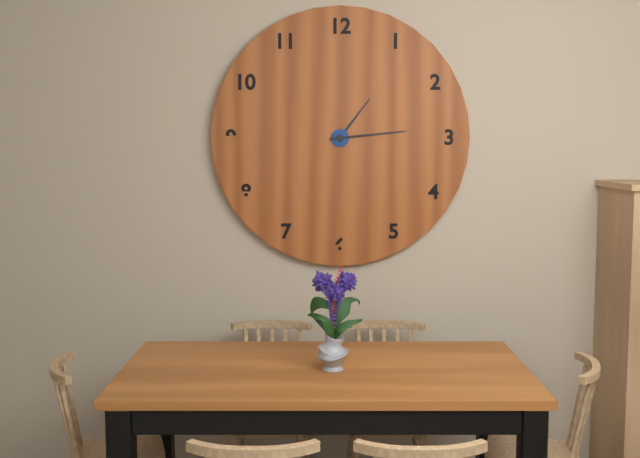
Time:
1.14
